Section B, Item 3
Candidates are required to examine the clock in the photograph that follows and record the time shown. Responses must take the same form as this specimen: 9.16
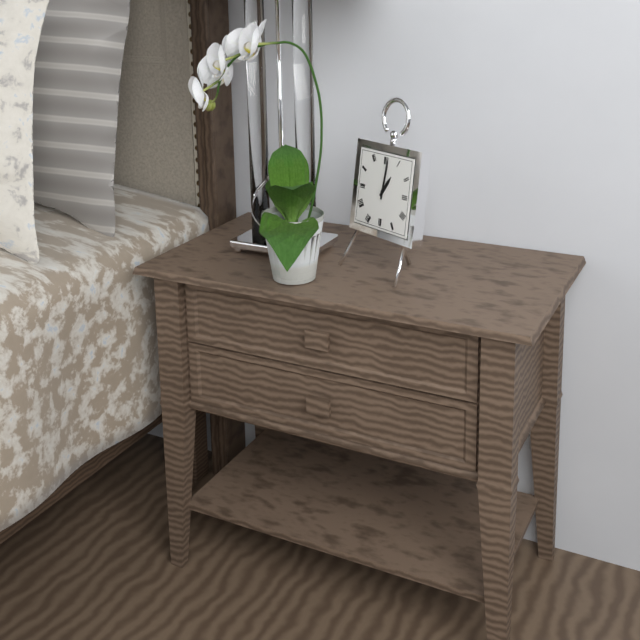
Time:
1.01
